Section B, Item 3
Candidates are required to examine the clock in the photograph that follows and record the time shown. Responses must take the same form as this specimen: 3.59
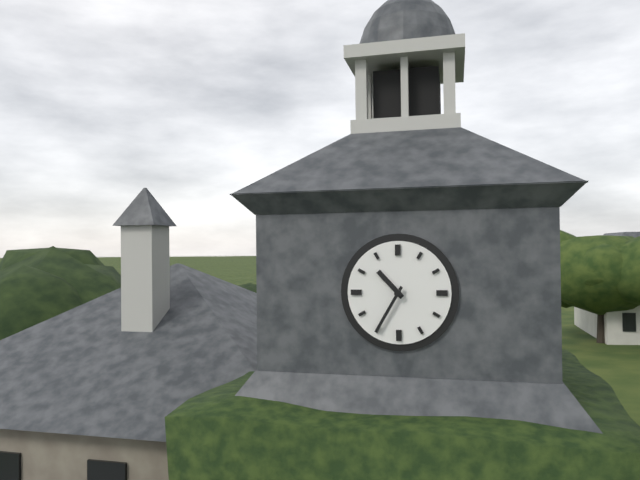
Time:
10.35
